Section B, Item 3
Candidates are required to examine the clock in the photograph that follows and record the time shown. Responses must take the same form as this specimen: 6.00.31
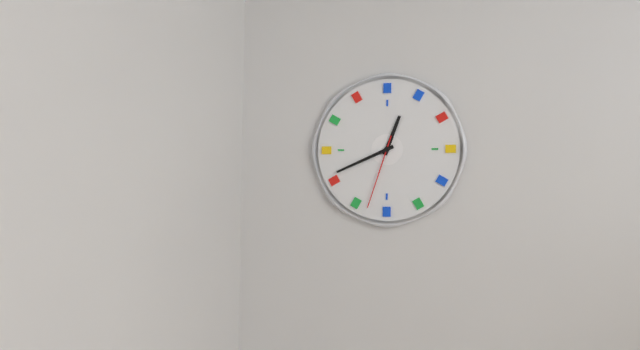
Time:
12.41.33
